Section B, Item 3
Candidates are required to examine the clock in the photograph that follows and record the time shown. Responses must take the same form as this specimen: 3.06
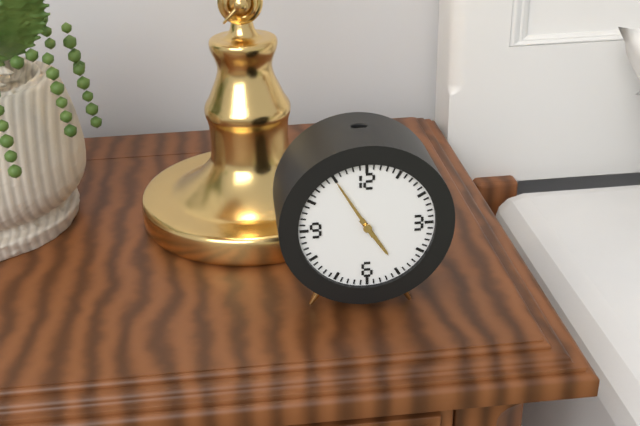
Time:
4.55
